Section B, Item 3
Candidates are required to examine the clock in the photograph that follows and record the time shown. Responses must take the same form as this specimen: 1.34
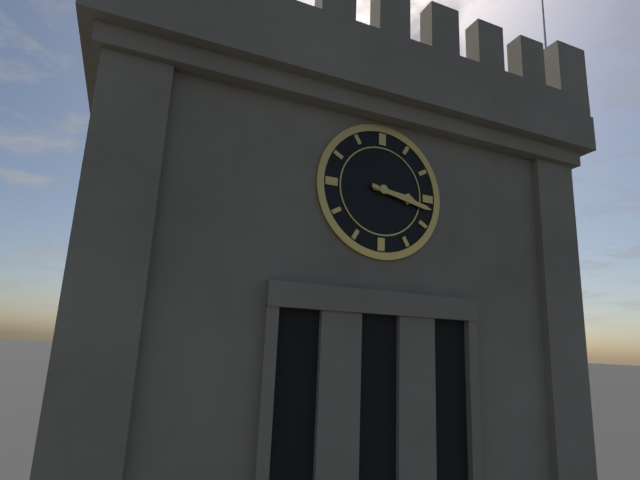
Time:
3.17
